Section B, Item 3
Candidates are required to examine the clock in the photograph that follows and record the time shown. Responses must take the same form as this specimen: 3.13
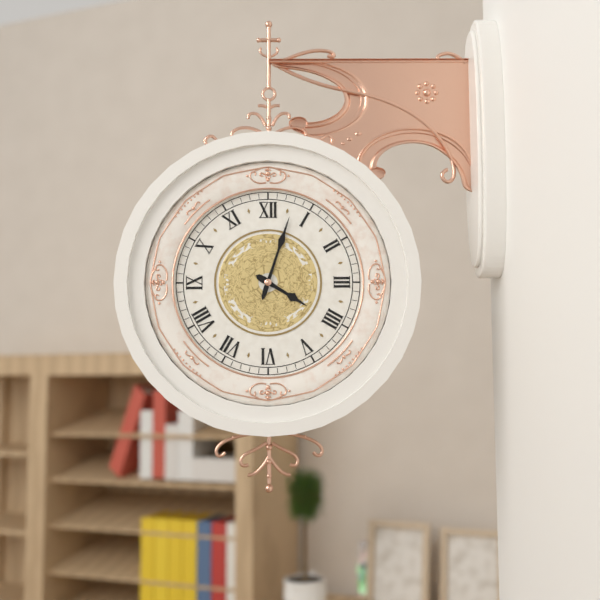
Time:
4.03
